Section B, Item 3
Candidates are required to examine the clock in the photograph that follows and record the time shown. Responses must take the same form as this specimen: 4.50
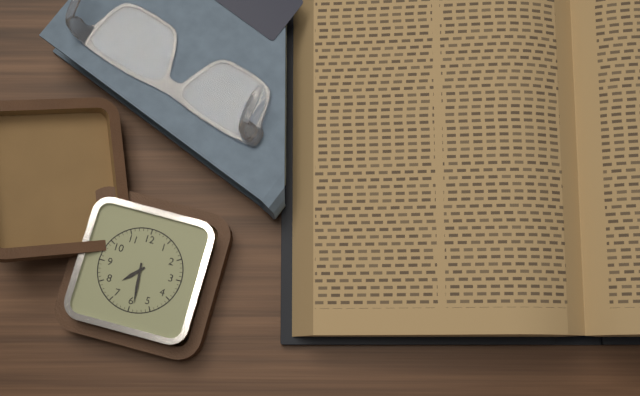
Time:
7.29
